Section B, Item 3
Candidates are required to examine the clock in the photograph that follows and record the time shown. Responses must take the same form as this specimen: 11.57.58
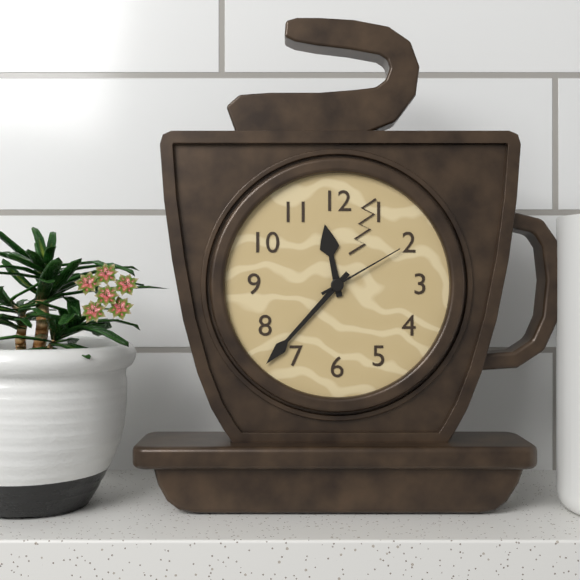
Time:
11.37.10
